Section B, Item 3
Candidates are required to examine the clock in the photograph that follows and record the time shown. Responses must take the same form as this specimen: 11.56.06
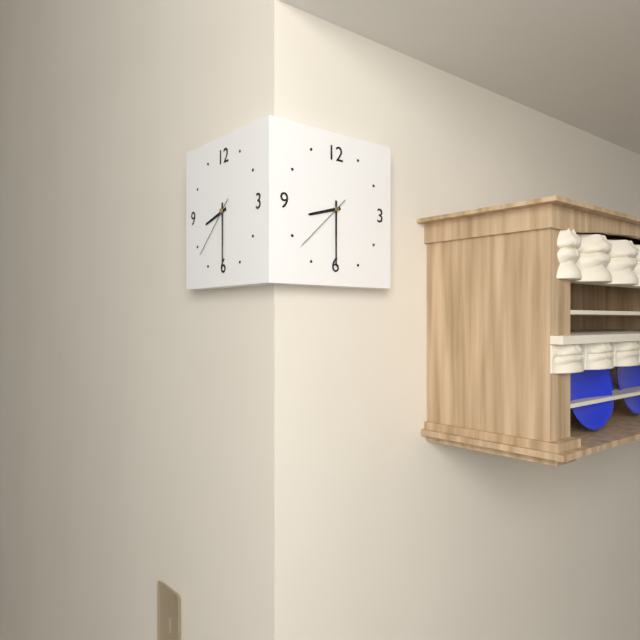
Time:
8.30.38
